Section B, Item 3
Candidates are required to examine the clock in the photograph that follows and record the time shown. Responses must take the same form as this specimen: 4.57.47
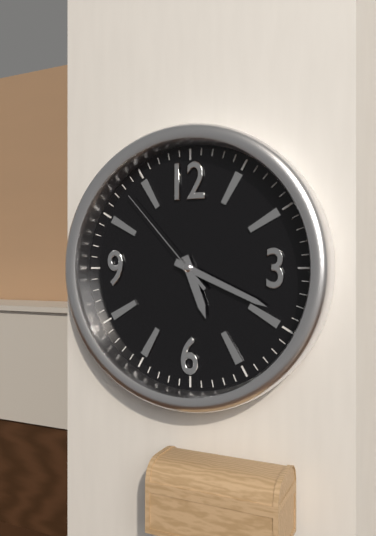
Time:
5.19.53
